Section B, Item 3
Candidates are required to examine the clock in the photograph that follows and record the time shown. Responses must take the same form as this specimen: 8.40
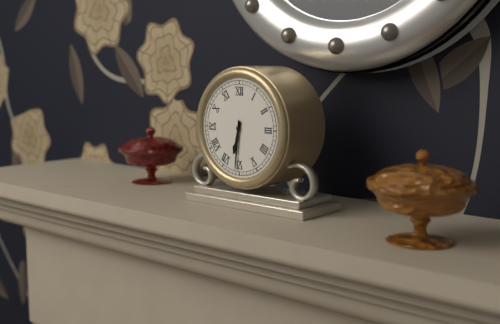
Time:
6.31
